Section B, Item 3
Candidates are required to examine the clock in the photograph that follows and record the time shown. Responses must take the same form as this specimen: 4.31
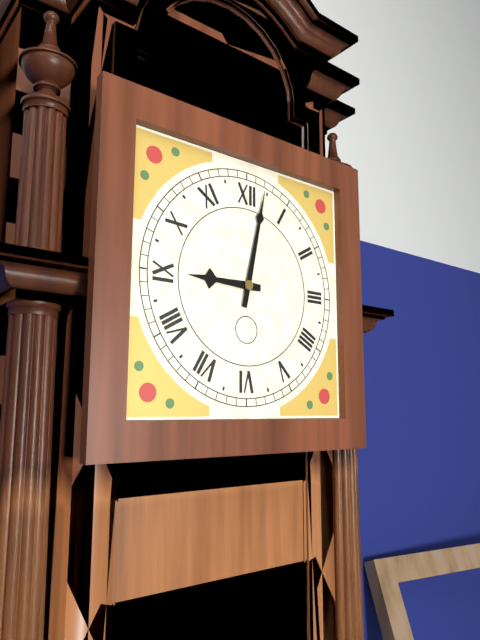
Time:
9.02
